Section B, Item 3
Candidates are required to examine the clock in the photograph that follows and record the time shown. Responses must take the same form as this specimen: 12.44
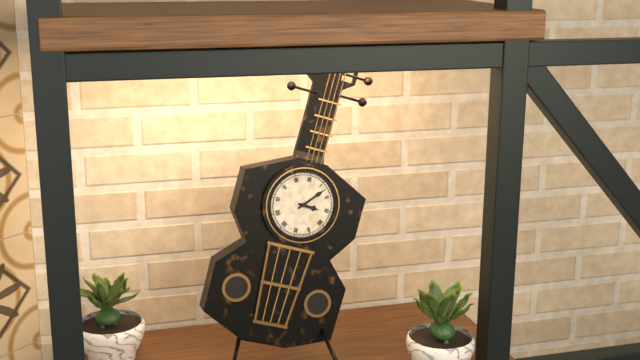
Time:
3.07
